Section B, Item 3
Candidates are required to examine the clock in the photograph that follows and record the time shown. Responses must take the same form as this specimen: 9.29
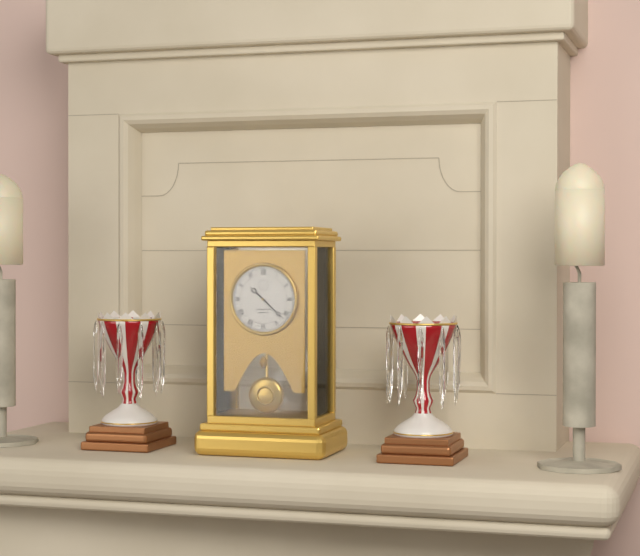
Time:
10.22
